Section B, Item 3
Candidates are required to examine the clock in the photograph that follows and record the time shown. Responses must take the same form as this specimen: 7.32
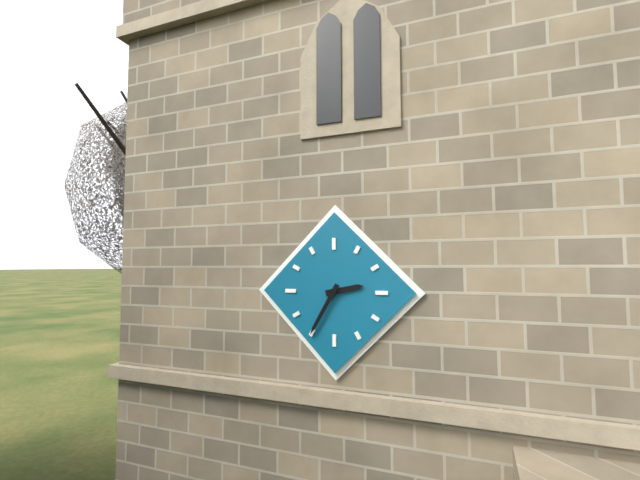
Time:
2.35
